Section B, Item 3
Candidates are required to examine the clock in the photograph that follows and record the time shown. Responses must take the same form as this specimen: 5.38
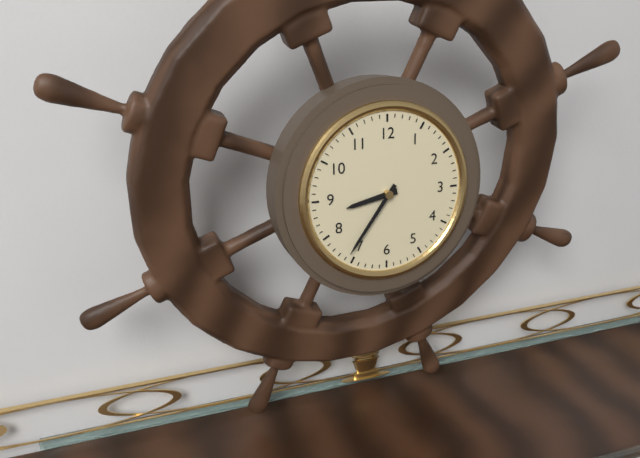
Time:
8.36
